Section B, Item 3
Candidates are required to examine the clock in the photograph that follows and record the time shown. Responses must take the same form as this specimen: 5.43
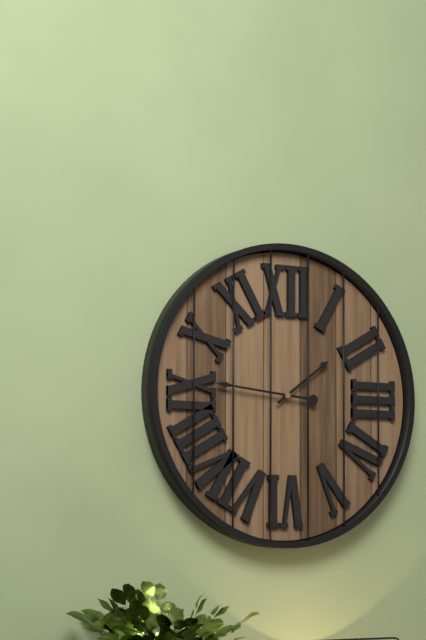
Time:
1.46
